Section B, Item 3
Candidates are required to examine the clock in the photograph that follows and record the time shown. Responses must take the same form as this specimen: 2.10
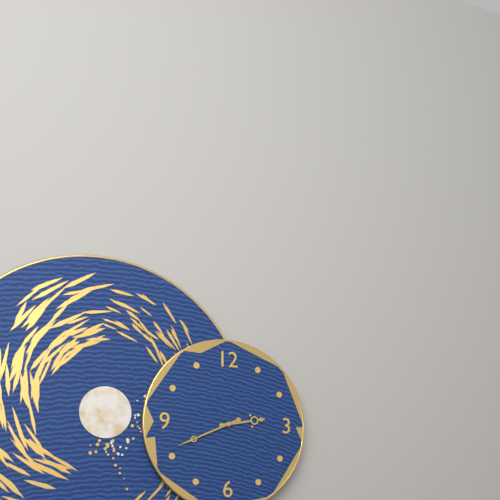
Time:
2.41
